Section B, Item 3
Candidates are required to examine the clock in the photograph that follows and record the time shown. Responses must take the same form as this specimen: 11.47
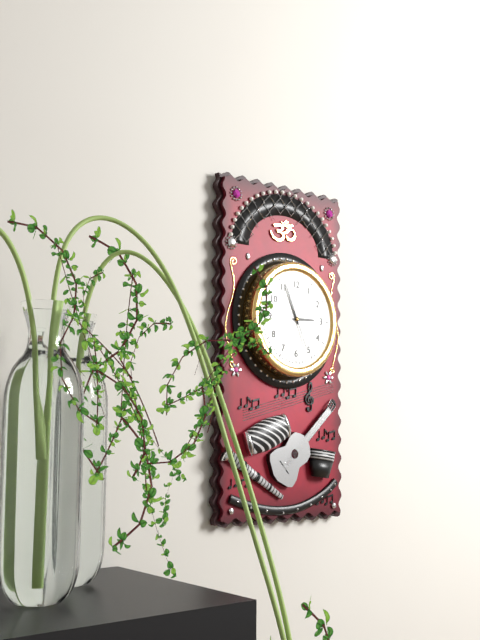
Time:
2.56
